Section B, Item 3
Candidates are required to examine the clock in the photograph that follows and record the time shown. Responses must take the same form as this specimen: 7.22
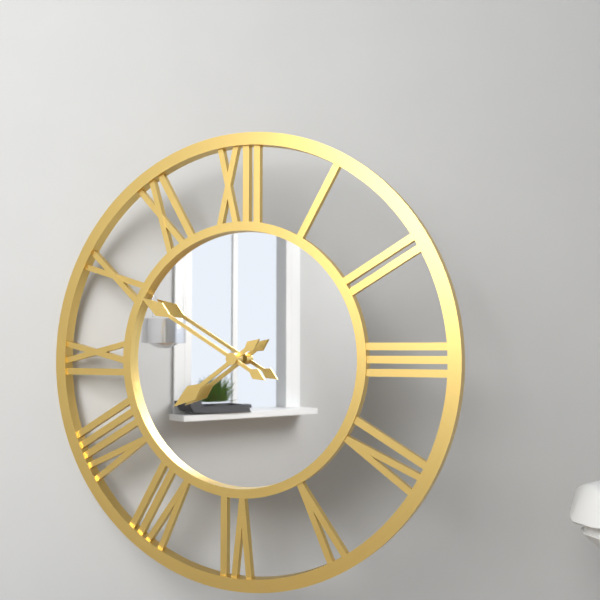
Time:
7.50
